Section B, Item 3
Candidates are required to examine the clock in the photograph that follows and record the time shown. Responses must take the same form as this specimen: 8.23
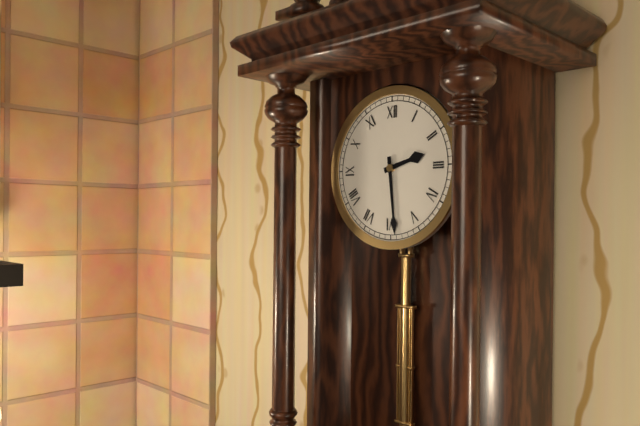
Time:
2.29
